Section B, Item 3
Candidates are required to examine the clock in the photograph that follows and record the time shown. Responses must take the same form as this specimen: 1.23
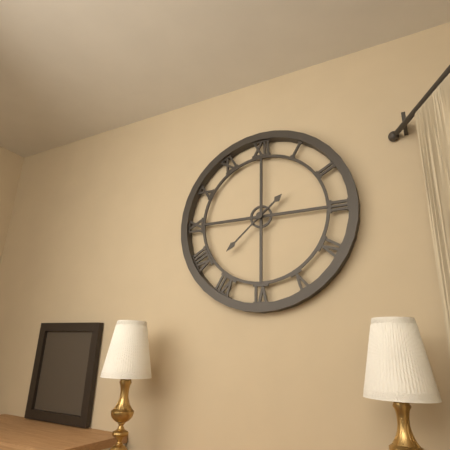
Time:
1.38
